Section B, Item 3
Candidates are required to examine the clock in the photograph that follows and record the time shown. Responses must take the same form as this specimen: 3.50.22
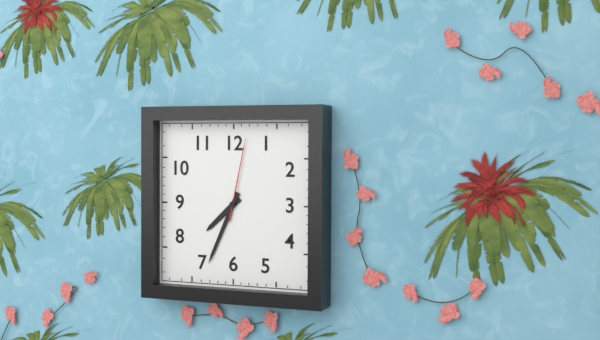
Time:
7.34.02
